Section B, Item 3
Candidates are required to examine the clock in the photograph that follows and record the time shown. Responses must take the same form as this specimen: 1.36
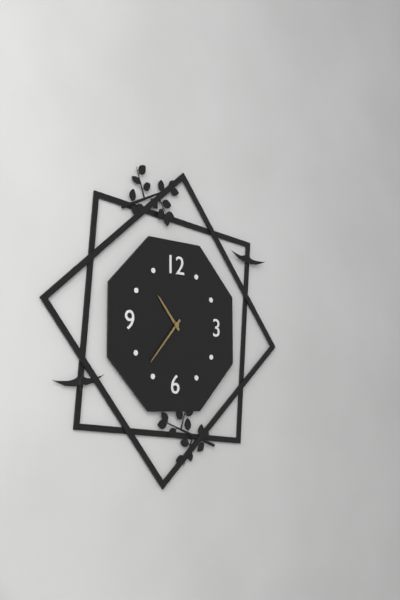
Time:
10.37
